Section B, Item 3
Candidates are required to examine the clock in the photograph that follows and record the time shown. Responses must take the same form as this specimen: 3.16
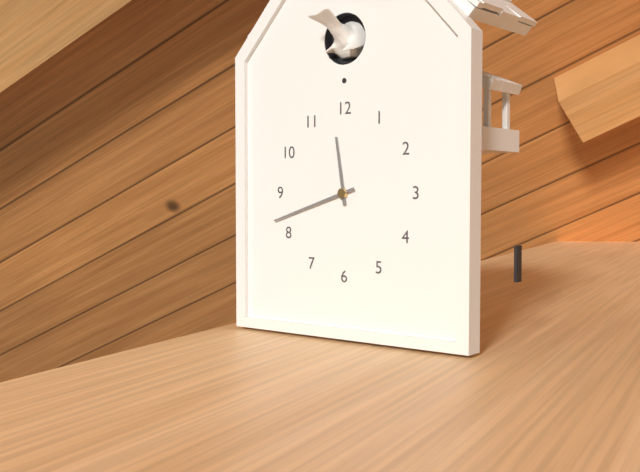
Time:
11.42
